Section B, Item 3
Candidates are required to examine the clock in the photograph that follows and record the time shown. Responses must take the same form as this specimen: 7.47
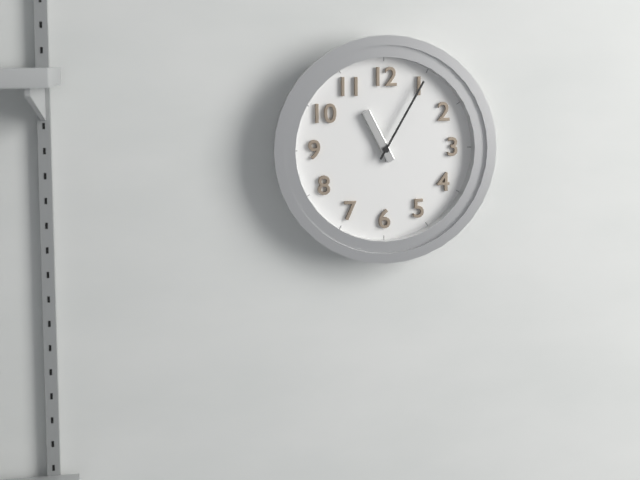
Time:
11.05
